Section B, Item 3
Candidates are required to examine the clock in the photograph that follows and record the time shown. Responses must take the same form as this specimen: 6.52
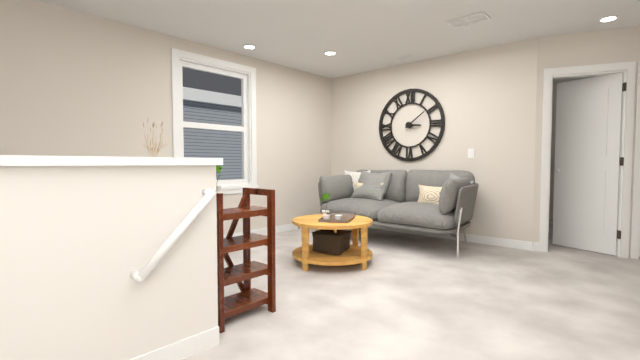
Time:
3.09
